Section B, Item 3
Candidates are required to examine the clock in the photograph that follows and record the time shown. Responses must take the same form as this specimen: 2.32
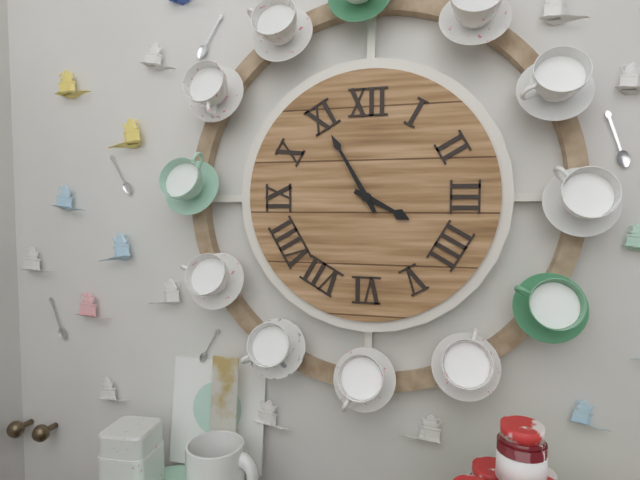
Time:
3.55
